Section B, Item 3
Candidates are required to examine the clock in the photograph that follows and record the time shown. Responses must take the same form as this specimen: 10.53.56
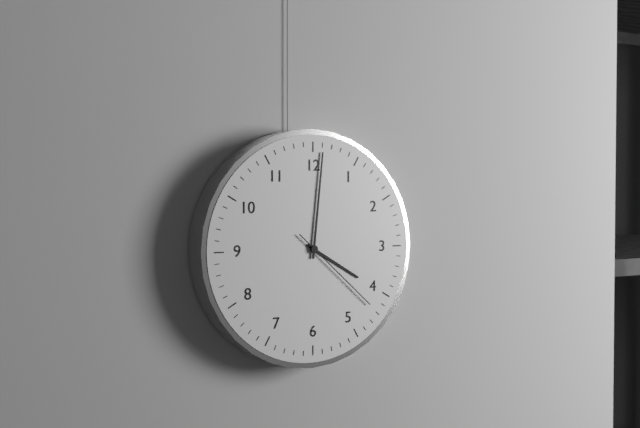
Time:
4.01.22
